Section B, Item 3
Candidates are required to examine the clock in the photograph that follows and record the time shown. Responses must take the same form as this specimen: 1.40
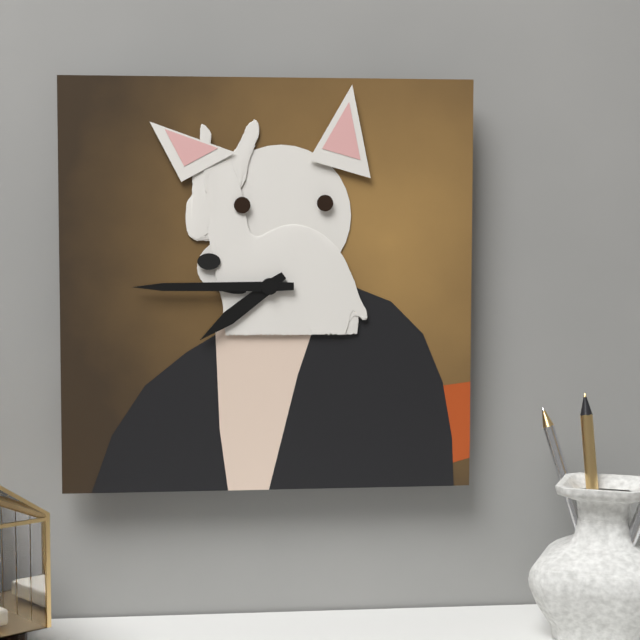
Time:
7.45
